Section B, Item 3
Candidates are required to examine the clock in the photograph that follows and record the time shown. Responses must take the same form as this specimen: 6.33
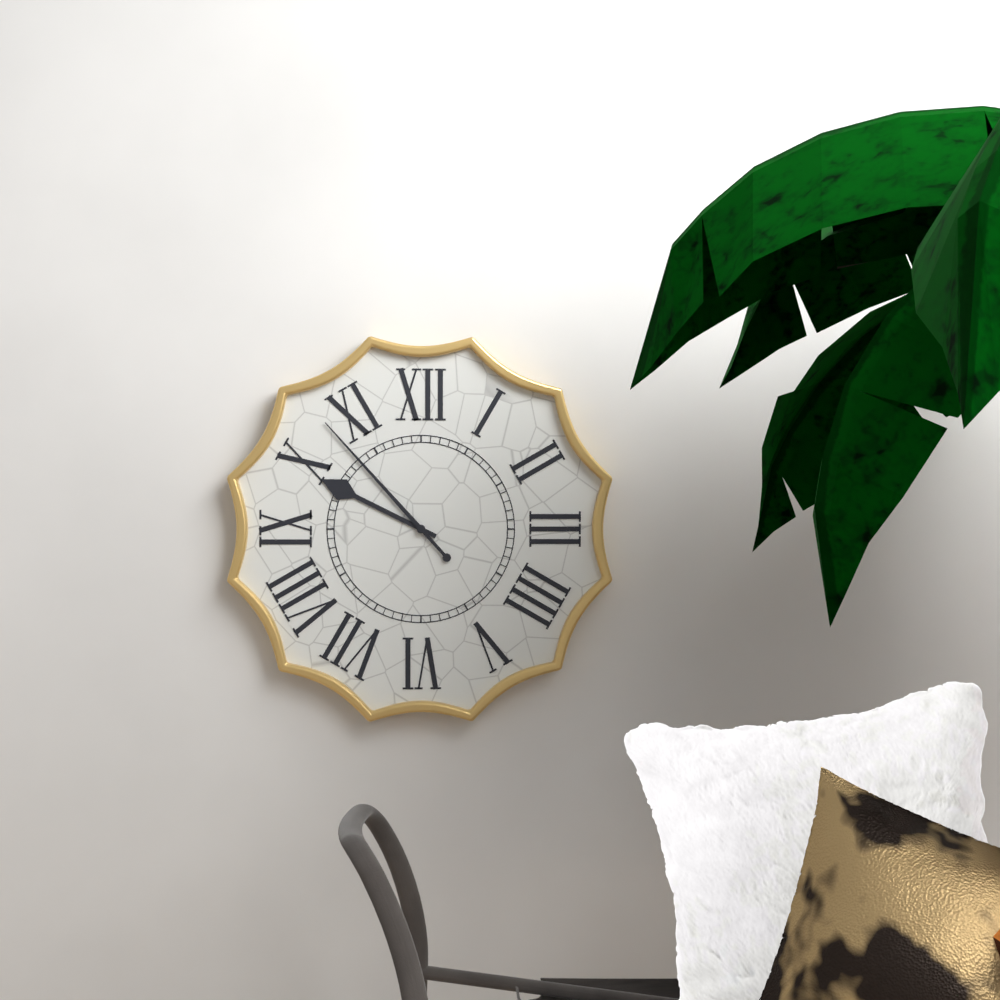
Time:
9.53
